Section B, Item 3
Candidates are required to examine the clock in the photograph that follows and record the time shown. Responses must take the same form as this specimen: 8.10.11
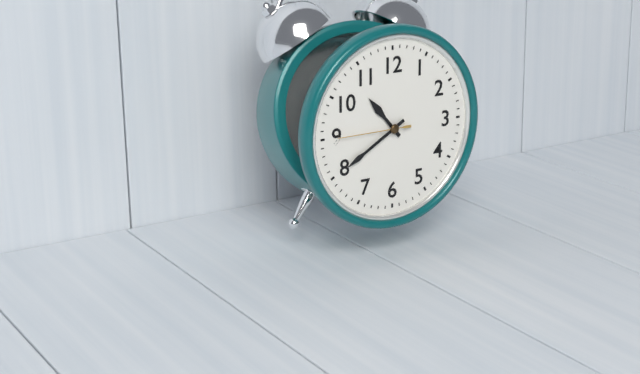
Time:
10.40.45
